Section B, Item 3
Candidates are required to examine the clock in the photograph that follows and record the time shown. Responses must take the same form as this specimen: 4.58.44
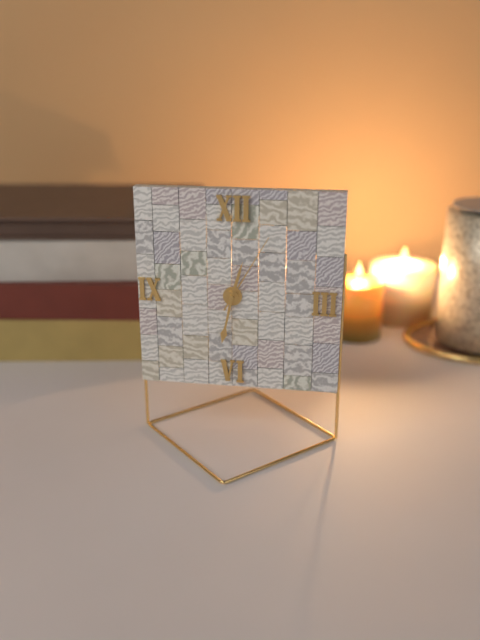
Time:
12.32.05
